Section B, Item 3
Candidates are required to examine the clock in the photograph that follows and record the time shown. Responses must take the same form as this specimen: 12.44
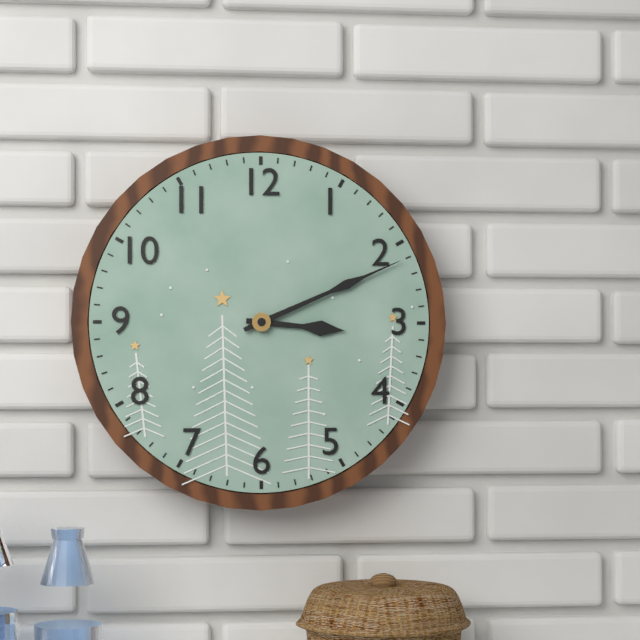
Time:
3.11
